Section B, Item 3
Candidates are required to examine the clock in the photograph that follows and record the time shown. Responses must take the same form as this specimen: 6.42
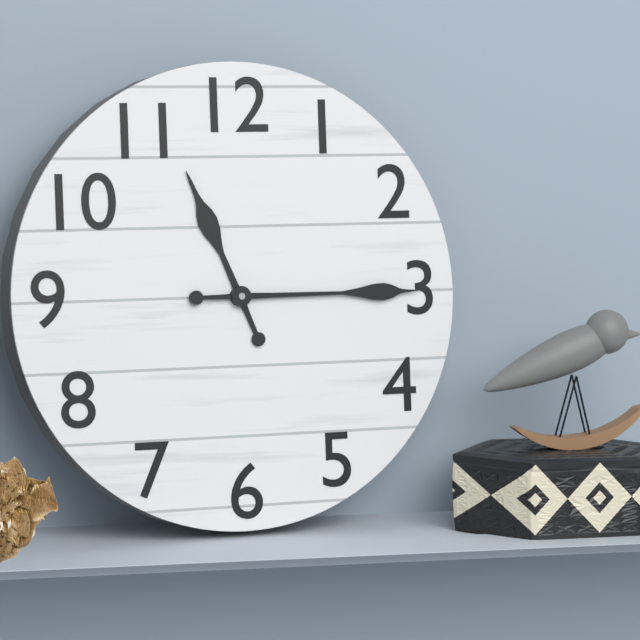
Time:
11.15
